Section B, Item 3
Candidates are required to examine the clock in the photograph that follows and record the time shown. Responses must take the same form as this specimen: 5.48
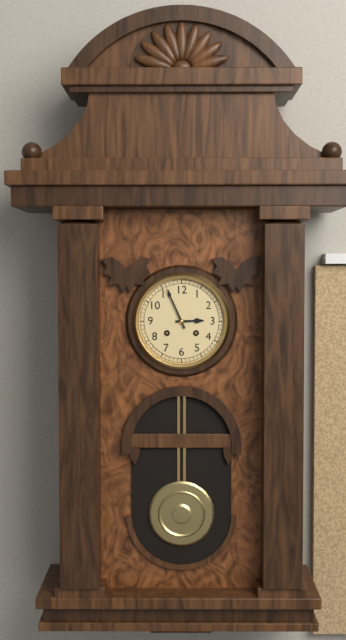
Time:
2.56
